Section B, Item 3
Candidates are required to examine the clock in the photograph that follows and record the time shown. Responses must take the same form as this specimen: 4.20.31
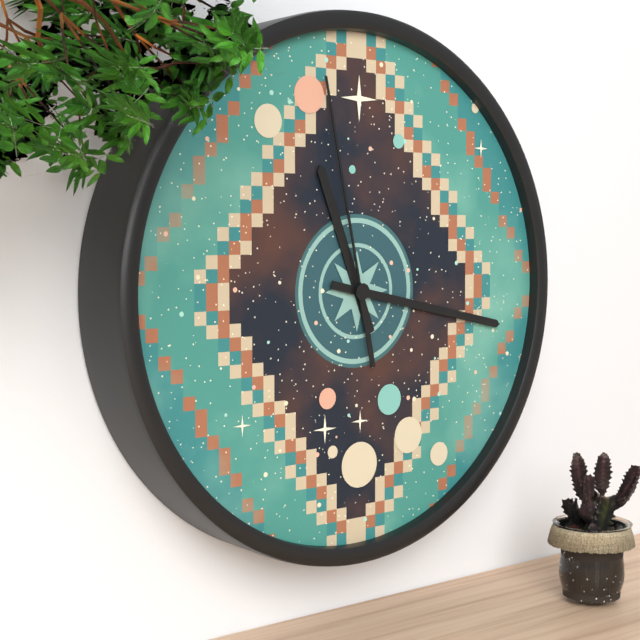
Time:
11.17.58
